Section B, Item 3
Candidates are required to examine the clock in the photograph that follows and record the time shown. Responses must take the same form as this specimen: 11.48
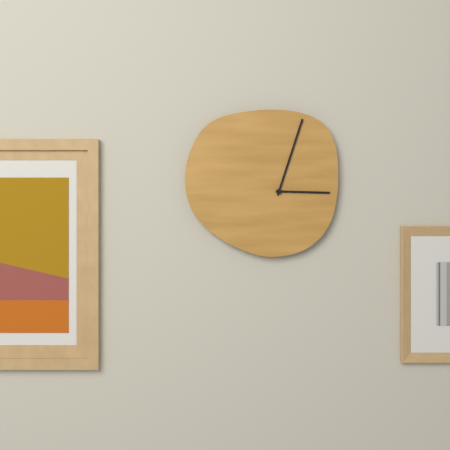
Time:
3.03
